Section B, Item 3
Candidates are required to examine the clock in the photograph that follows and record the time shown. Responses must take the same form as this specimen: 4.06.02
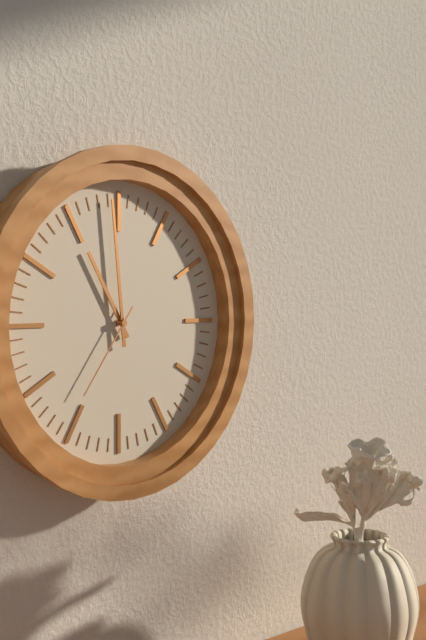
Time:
10.59.36
